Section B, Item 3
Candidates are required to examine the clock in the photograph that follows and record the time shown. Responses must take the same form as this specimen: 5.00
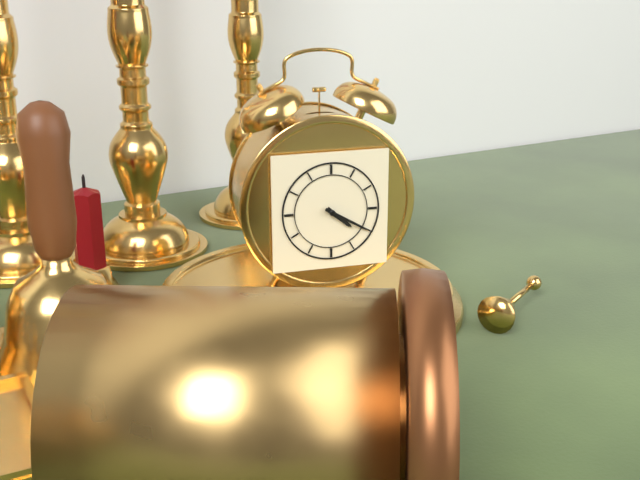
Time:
4.20
